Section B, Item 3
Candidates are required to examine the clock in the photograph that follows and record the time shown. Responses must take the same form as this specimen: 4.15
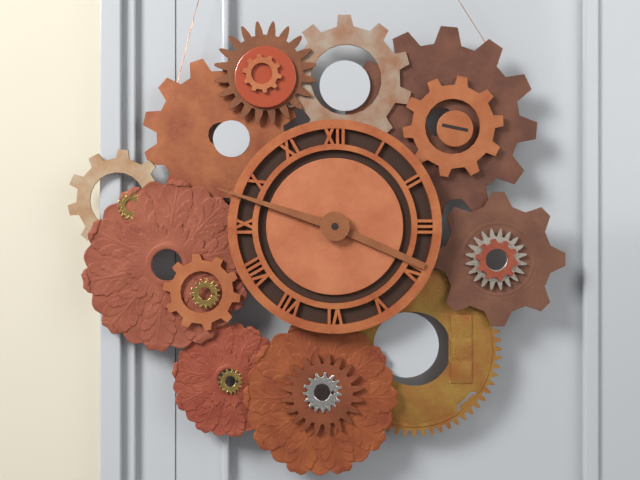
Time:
3.48
